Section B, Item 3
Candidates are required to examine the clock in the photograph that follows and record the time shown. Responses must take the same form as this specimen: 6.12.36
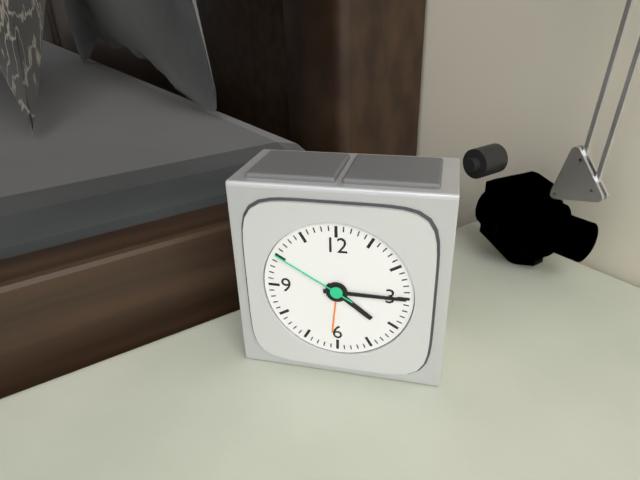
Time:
4.15.50
